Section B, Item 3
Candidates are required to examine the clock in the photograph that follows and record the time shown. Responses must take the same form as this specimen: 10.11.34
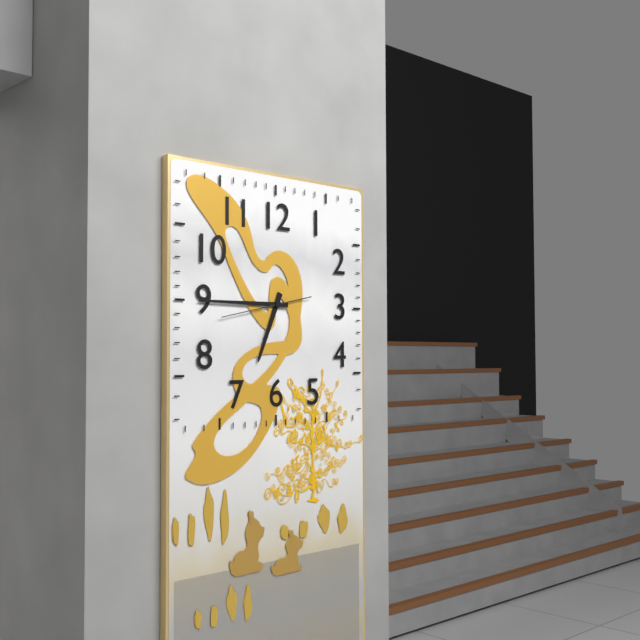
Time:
6.45.43
